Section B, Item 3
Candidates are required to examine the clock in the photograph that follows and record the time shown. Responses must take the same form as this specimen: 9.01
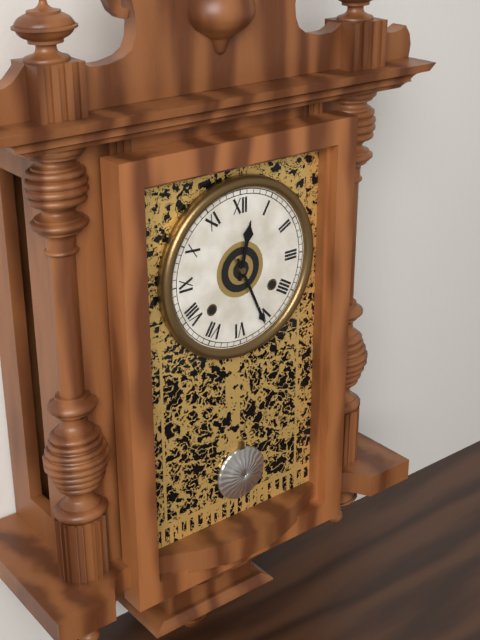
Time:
12.26
